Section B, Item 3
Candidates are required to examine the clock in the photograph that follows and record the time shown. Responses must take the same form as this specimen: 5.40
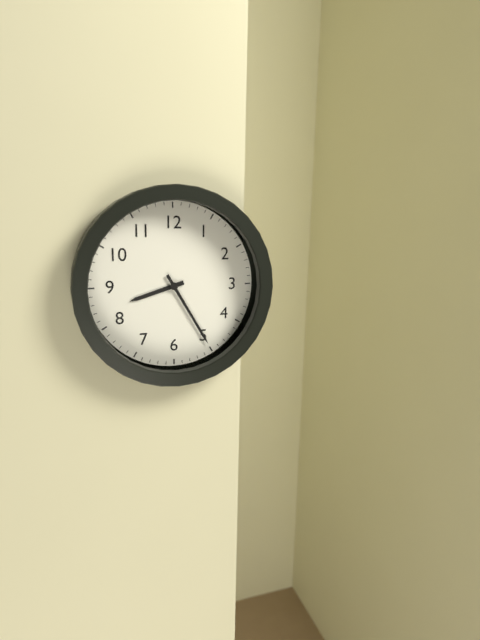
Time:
8.25
